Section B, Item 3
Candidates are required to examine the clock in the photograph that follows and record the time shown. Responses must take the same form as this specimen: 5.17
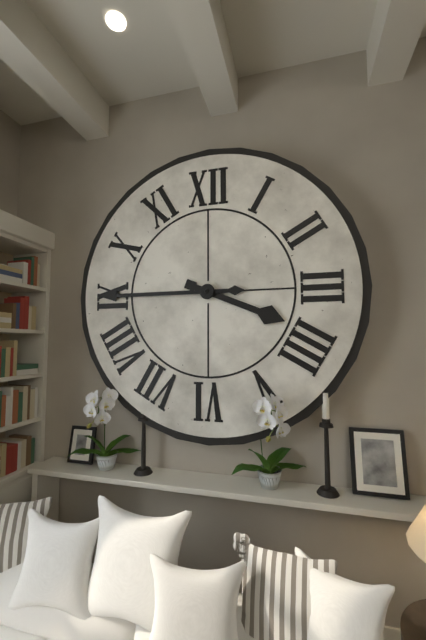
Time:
3.45
